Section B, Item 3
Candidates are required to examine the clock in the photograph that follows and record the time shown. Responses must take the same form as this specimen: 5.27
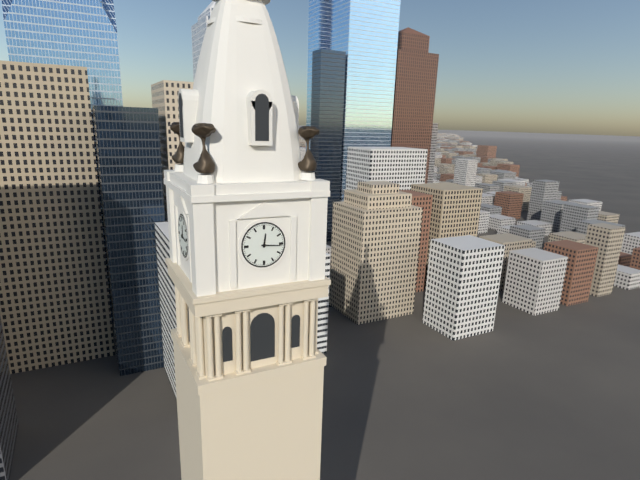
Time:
12.16
